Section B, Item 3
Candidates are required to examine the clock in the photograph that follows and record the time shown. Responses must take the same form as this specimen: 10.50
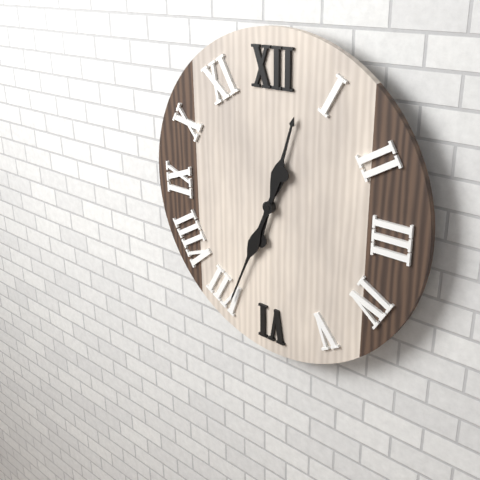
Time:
12.34
